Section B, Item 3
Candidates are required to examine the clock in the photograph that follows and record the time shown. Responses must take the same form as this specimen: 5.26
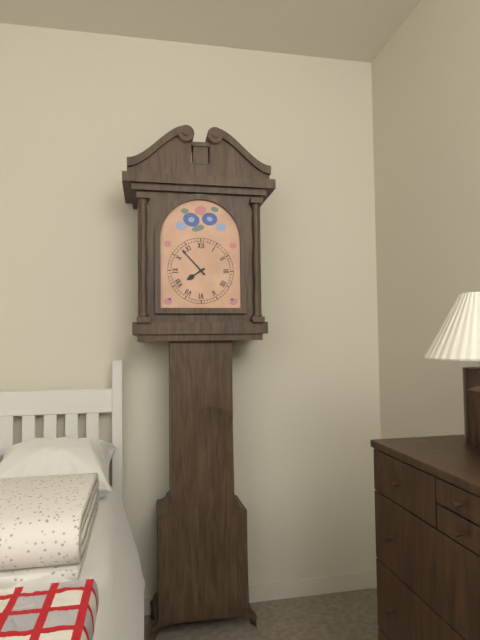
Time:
7.53
